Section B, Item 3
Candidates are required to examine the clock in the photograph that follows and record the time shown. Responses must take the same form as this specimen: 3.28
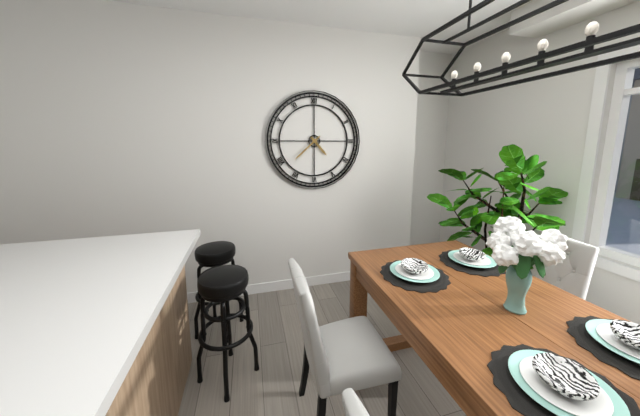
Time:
4.38
